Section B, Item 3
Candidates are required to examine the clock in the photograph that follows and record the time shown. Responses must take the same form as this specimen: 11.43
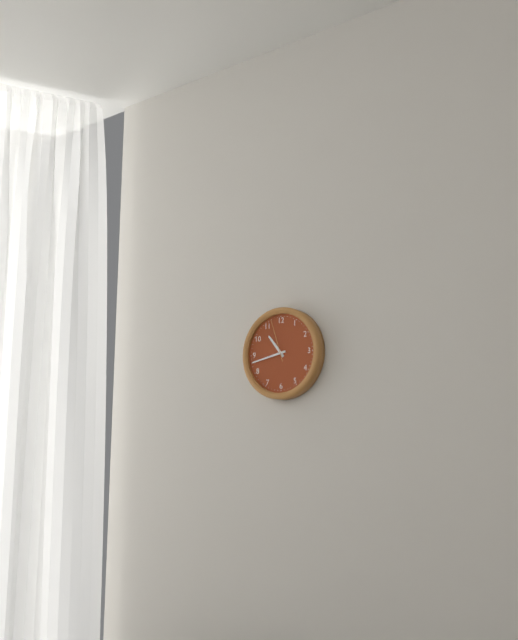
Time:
10.43
